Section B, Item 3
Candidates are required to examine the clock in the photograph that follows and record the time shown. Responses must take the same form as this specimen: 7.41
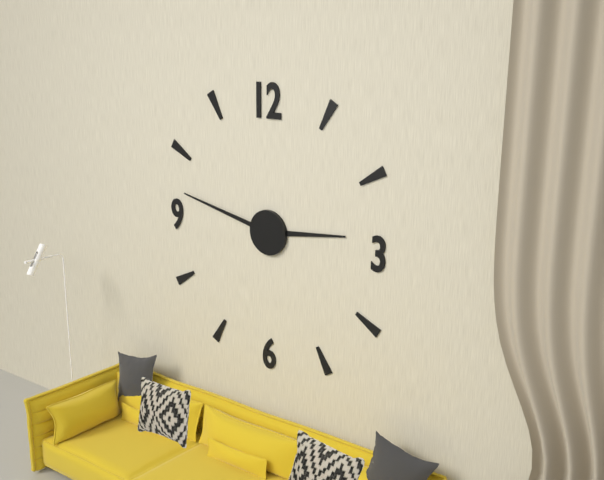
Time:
2.47
